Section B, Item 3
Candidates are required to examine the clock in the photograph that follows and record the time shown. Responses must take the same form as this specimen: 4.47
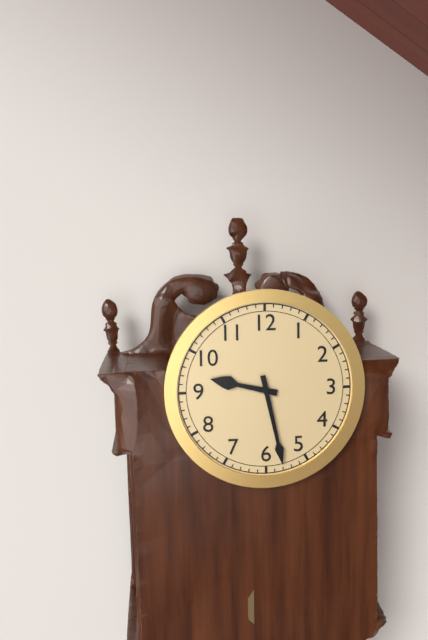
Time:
9.28
